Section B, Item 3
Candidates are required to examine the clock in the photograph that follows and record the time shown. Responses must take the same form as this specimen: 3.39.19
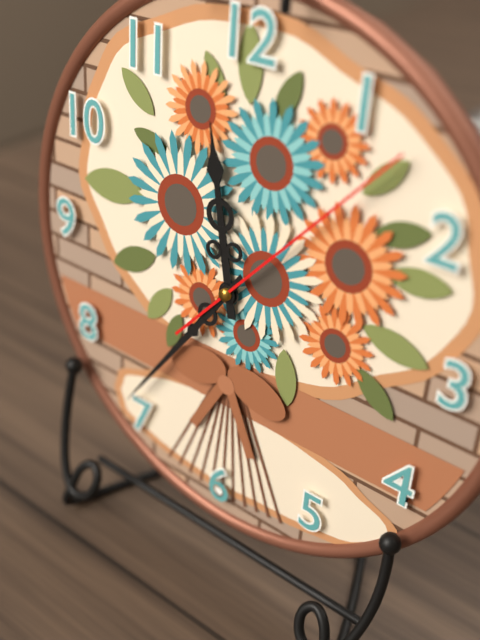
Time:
11.36.07
